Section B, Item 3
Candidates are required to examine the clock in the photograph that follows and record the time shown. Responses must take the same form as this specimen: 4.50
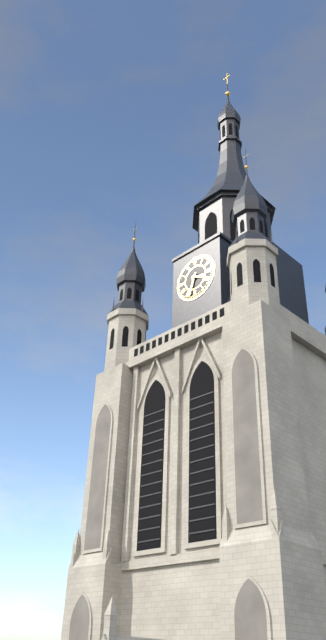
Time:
3.33
